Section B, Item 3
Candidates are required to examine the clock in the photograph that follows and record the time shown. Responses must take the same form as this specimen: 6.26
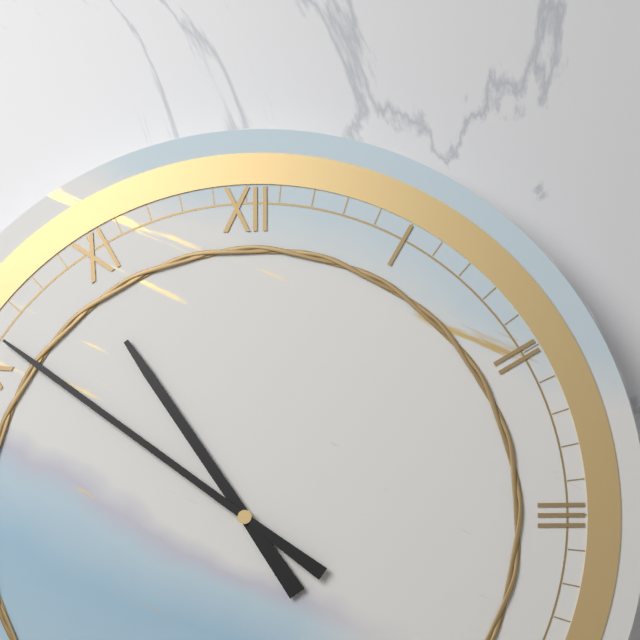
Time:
10.51
